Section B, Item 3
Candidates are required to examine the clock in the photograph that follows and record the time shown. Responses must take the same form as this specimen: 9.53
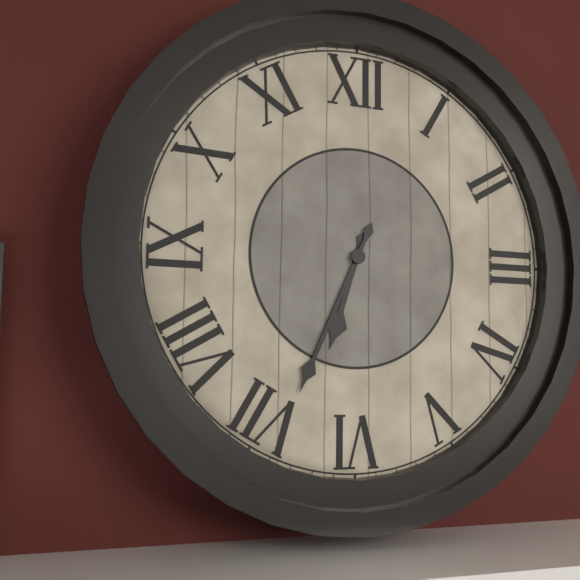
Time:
6.34
